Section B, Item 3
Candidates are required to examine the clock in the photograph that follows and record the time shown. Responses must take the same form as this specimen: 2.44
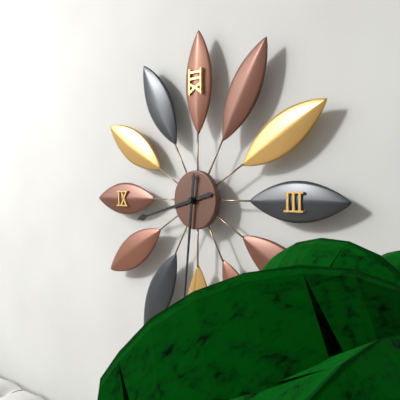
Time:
8.31
